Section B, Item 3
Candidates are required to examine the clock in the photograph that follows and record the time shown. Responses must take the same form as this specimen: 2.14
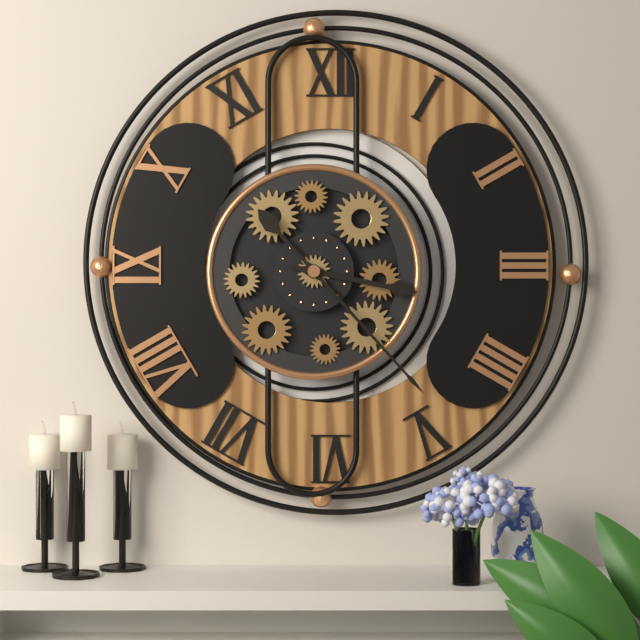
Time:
3.23
